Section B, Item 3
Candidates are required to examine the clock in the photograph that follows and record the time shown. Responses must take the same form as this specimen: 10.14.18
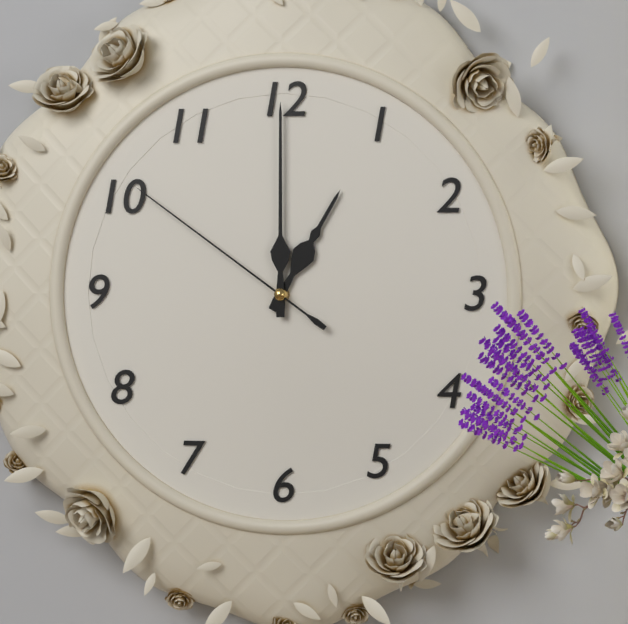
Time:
1.00.51
